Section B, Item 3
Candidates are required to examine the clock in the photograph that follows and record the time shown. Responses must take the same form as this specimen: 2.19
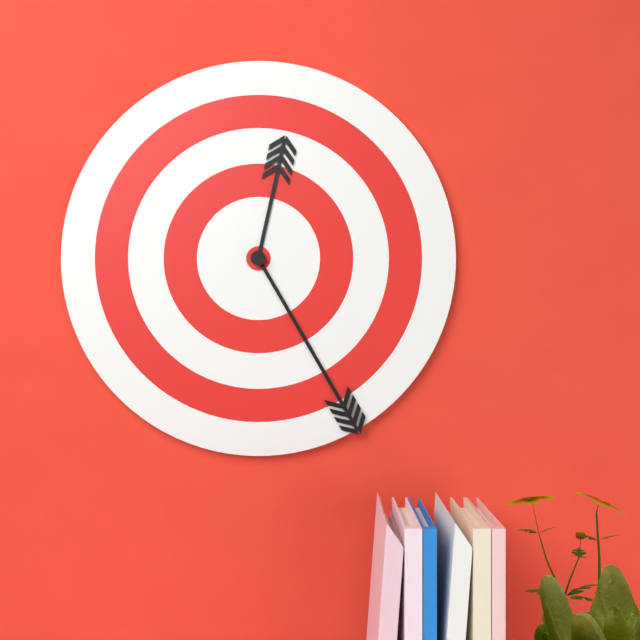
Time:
12.25
